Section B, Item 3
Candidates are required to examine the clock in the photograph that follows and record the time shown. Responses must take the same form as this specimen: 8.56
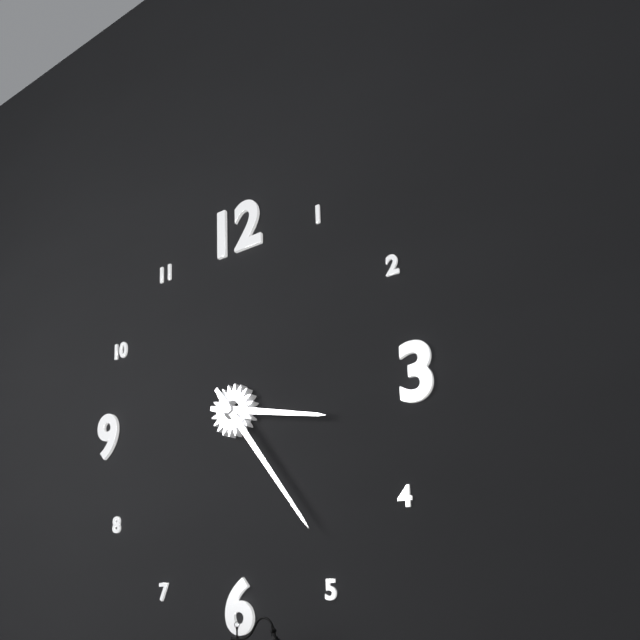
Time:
3.24
